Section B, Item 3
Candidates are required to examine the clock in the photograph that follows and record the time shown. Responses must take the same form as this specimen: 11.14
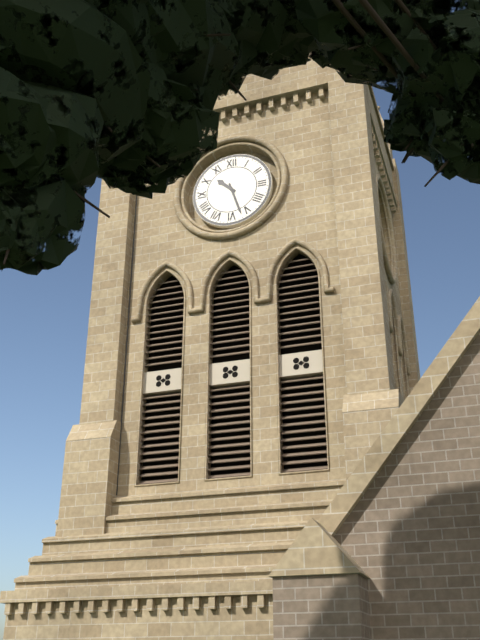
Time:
10.27
